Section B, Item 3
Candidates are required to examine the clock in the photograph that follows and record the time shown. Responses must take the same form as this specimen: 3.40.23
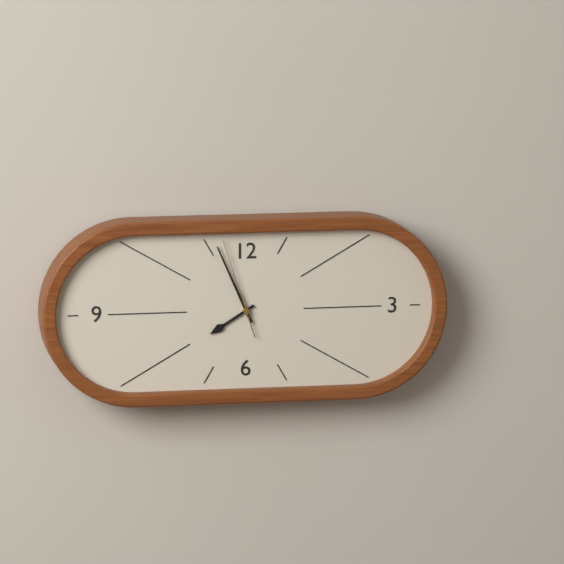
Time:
7.56.57
